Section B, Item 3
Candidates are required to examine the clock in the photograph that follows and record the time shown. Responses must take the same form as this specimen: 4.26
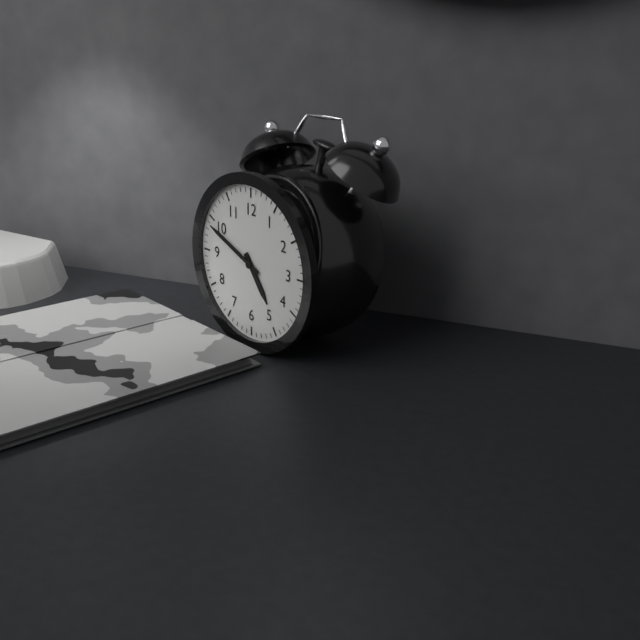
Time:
4.49
